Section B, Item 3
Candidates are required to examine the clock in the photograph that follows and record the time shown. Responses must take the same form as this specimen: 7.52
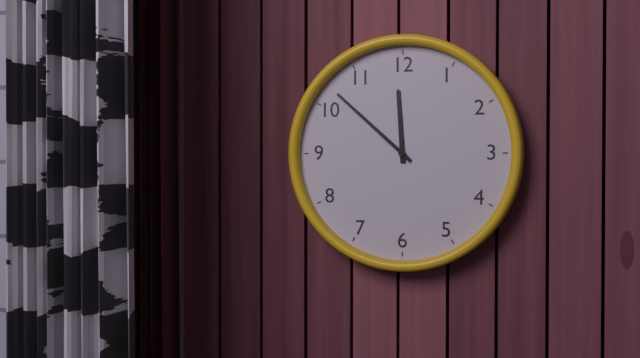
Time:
11.52
